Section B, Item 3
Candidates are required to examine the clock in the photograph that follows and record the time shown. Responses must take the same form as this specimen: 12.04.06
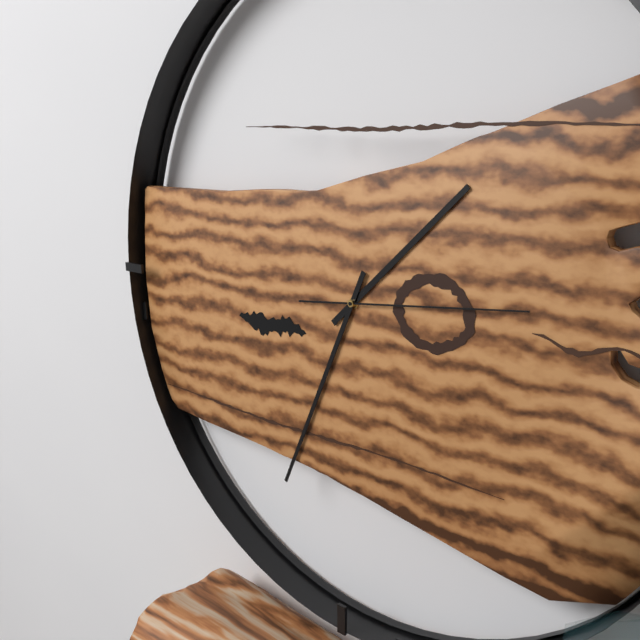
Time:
1.34.14
